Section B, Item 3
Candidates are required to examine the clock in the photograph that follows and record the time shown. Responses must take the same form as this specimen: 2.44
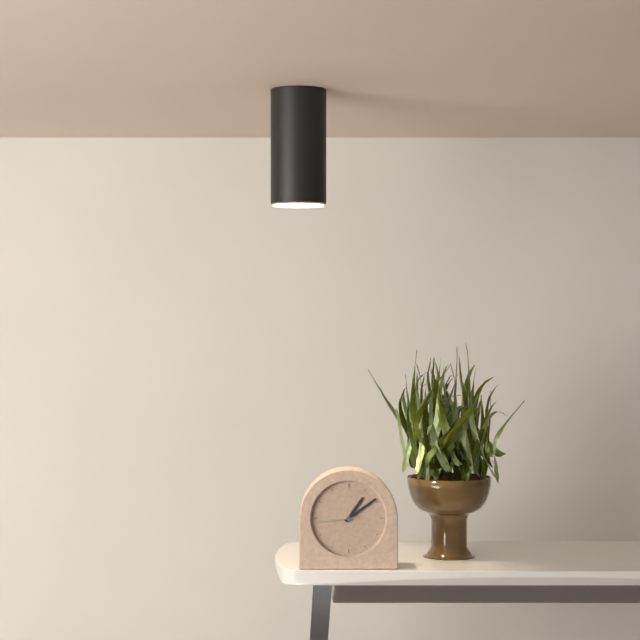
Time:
1.09
